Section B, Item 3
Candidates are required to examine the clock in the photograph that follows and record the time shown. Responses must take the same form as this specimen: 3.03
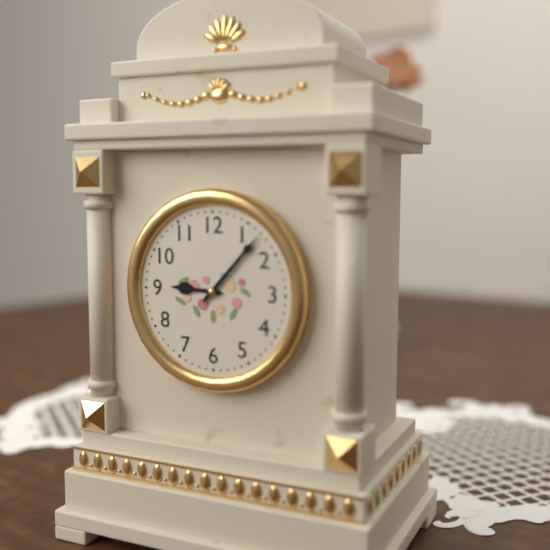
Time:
9.07
